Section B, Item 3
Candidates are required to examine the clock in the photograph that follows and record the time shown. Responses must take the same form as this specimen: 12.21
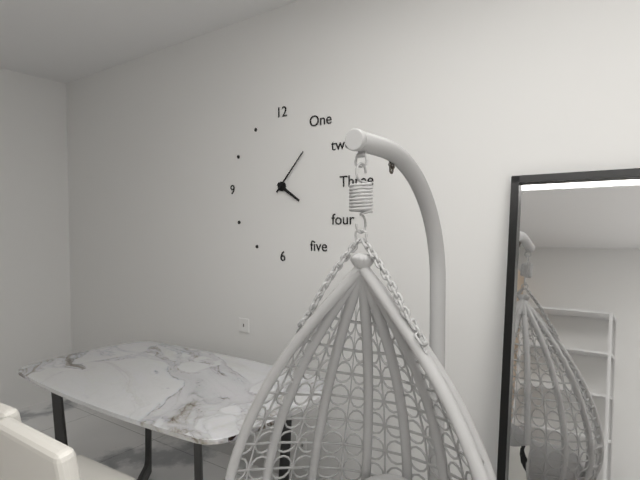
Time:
4.07
